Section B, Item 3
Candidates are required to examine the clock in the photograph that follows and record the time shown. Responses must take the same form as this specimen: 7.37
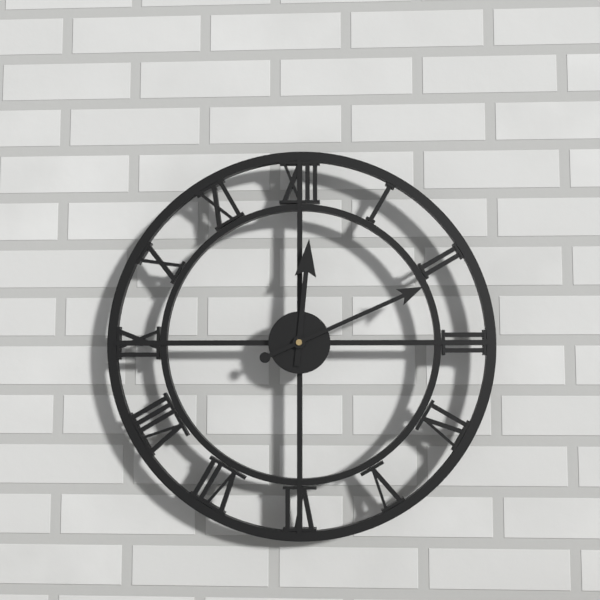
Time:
12.11
